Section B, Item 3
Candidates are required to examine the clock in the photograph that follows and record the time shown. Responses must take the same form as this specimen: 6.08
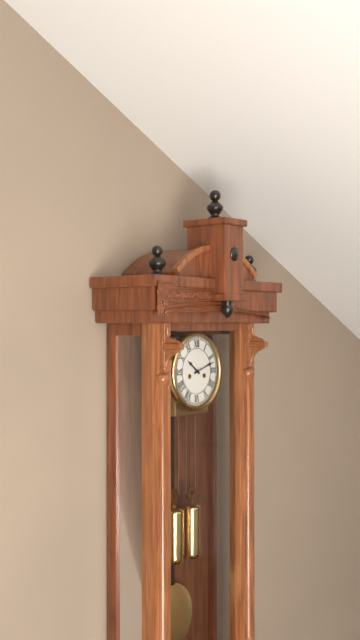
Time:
10.12
